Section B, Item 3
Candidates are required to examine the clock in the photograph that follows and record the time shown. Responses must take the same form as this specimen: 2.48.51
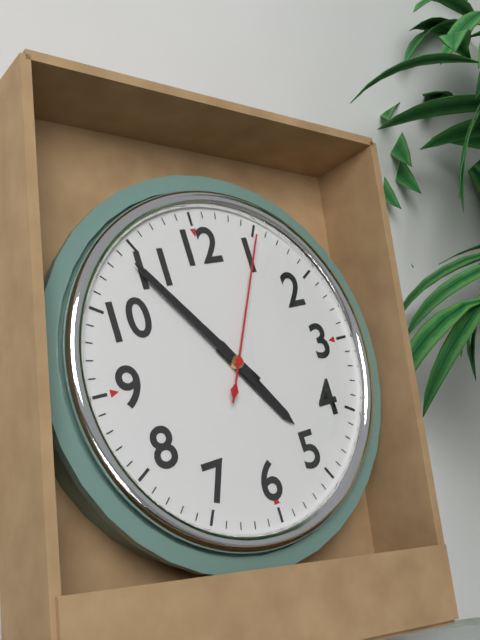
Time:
4.54.05
